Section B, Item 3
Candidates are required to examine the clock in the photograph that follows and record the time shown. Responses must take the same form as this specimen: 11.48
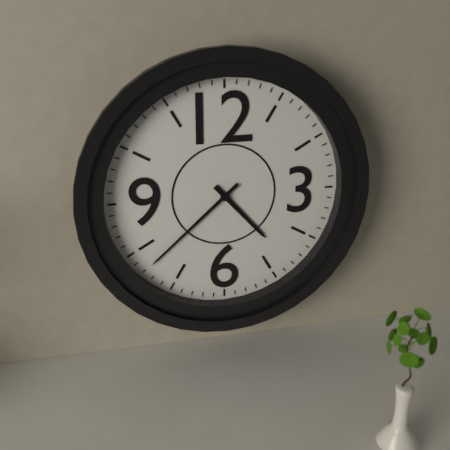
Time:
4.38
